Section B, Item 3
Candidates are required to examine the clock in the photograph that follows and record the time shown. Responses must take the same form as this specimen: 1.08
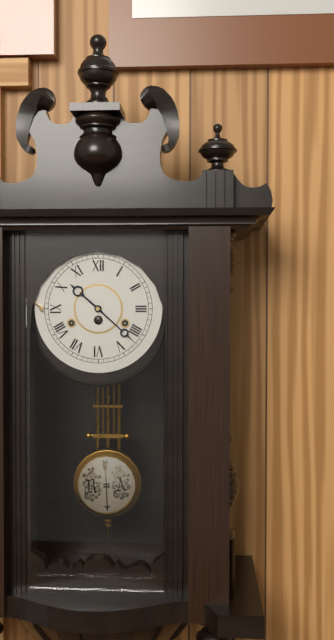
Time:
10.22
